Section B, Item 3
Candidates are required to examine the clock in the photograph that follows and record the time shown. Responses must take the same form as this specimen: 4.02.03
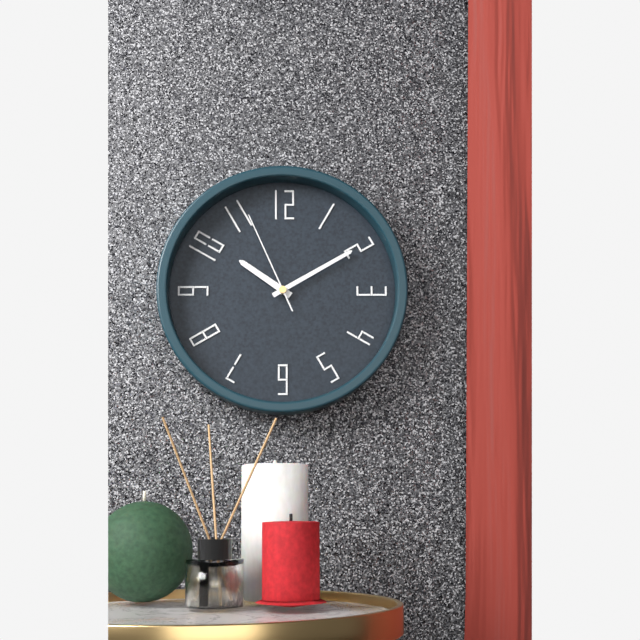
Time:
10.10.56
